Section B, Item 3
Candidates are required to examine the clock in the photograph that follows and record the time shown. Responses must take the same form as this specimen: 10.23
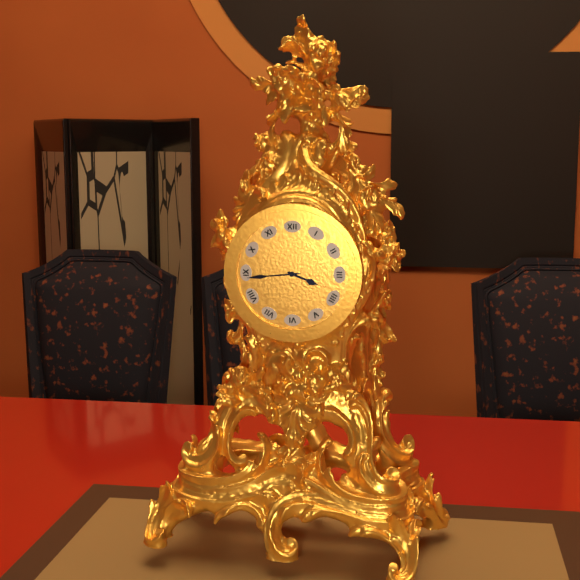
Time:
3.44
